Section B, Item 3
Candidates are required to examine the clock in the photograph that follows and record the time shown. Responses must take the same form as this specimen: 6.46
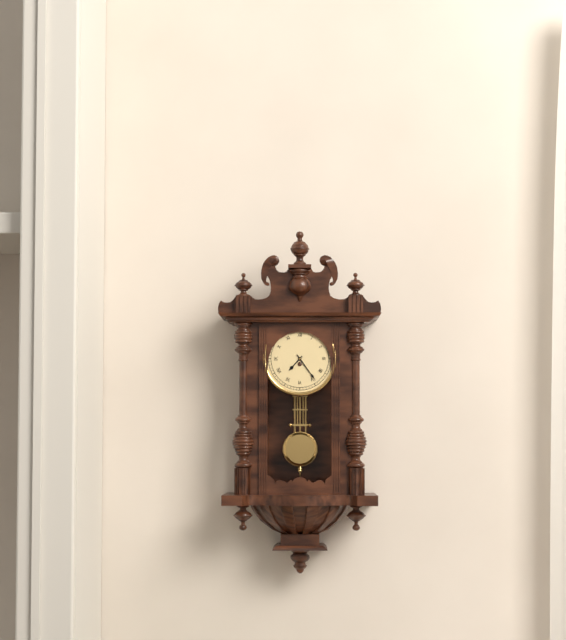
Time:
7.24
